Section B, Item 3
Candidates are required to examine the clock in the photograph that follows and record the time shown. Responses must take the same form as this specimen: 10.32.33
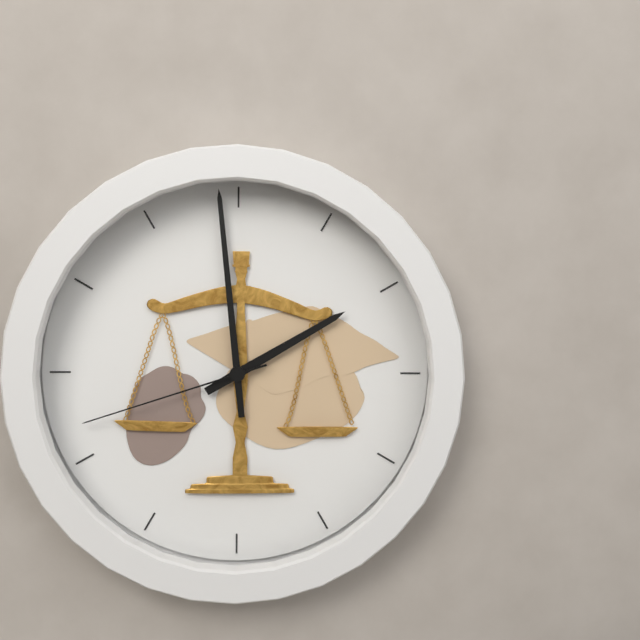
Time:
1.59.42
